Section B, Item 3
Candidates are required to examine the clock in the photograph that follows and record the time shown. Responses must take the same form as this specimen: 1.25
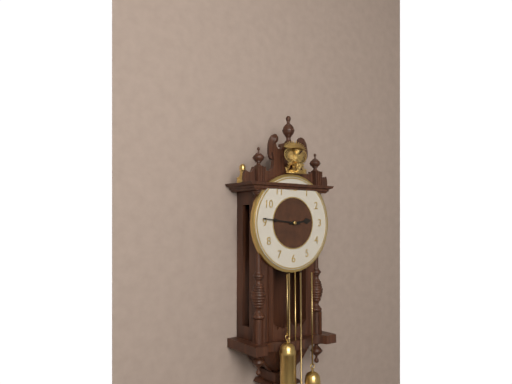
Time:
2.46
